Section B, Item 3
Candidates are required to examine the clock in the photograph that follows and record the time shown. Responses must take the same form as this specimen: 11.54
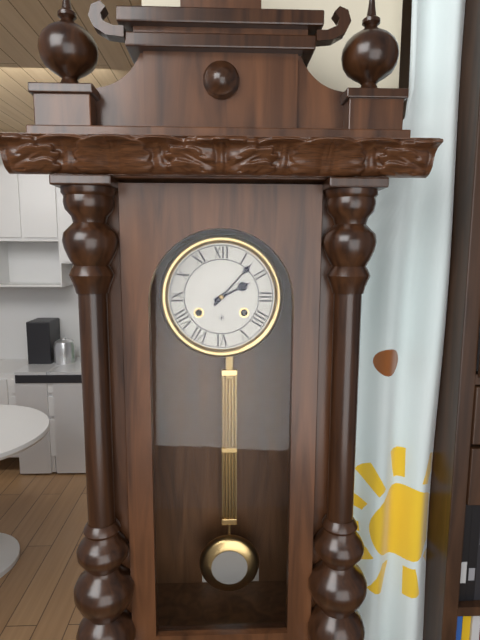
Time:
2.07
